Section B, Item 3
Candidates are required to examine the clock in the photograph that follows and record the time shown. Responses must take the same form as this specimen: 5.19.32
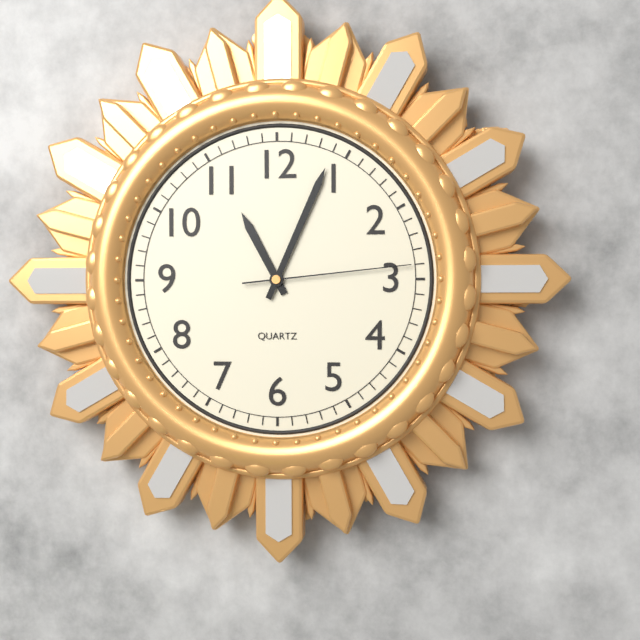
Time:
11.04.14
